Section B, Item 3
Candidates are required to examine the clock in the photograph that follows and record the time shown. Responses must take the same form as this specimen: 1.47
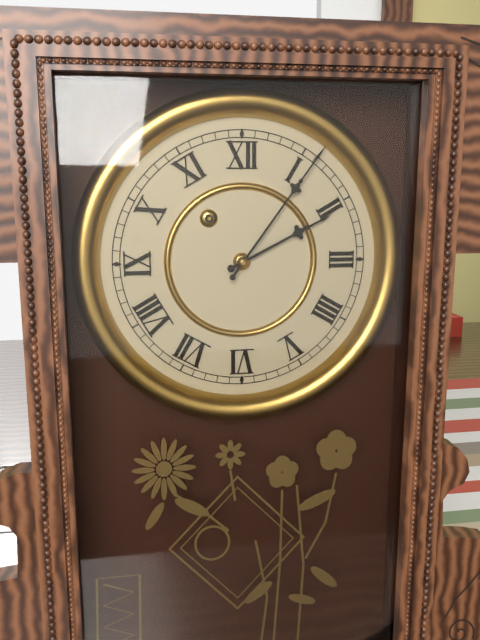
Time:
2.06
